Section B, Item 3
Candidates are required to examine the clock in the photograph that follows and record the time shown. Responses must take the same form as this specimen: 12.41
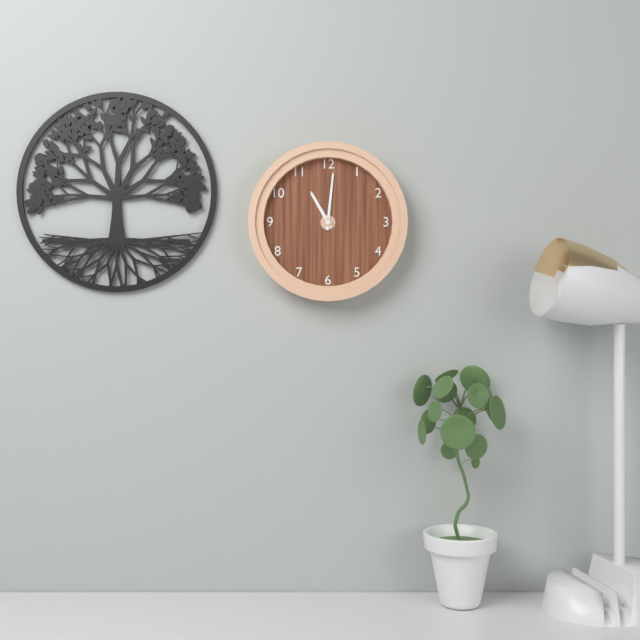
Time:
11.01
